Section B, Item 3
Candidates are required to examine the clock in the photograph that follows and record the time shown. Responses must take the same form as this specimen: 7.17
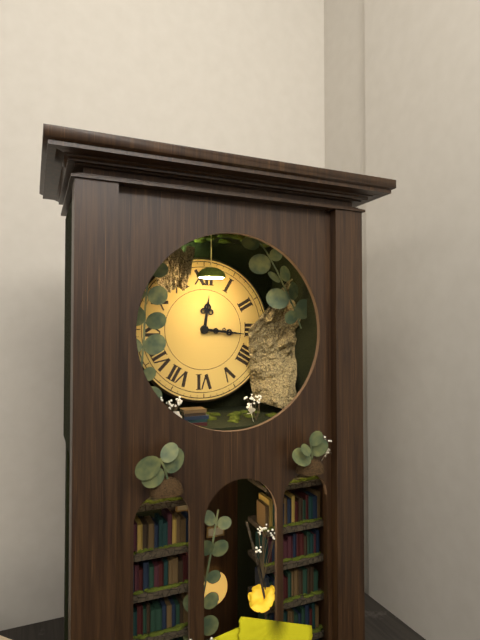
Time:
12.16
